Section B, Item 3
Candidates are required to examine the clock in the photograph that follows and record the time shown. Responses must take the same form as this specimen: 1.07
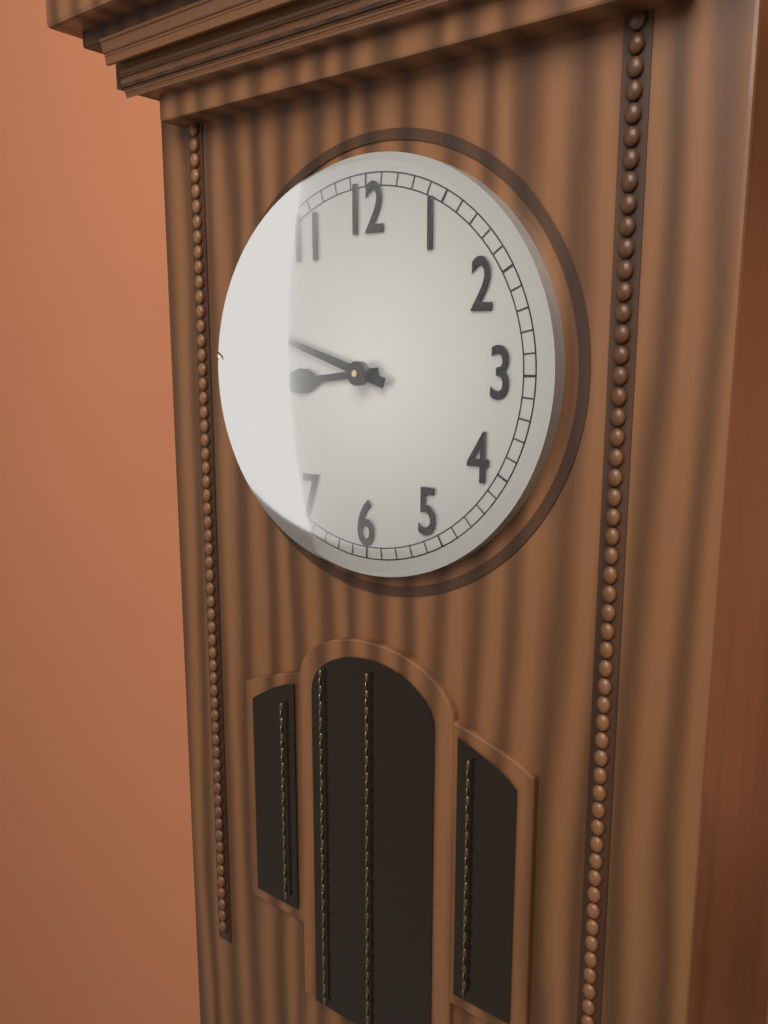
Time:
8.48
